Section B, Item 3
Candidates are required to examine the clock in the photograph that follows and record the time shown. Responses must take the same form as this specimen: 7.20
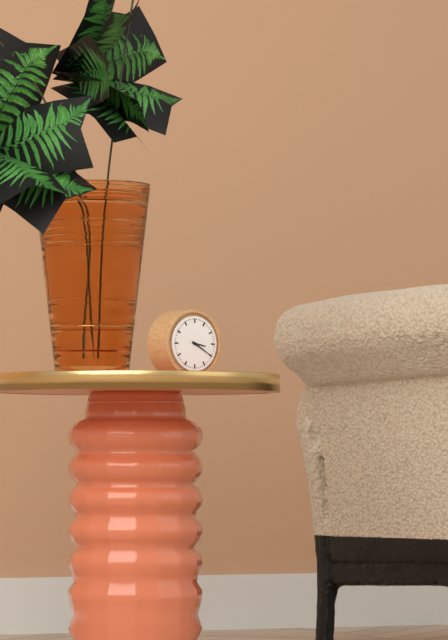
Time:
3.20
